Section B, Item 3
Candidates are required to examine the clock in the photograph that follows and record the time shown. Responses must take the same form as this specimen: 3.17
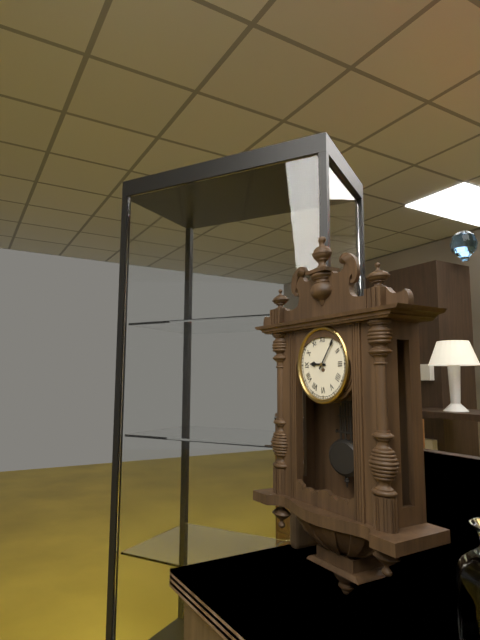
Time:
9.06
